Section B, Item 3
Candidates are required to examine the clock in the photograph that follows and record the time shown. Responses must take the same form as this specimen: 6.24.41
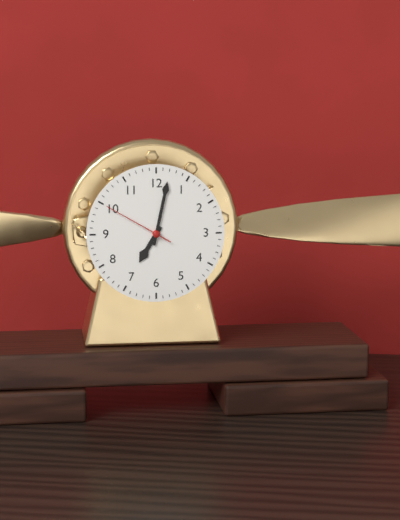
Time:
7.02.50
